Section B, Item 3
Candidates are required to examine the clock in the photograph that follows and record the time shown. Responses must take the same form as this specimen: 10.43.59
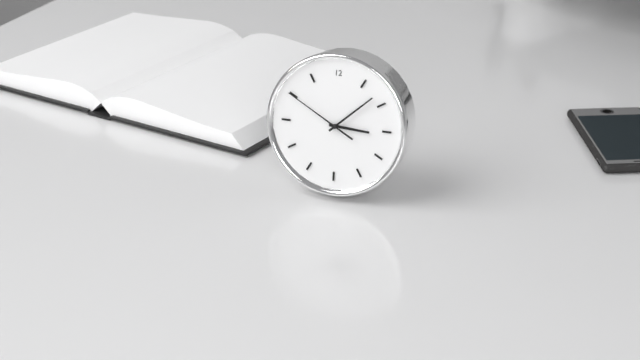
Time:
3.08.50
